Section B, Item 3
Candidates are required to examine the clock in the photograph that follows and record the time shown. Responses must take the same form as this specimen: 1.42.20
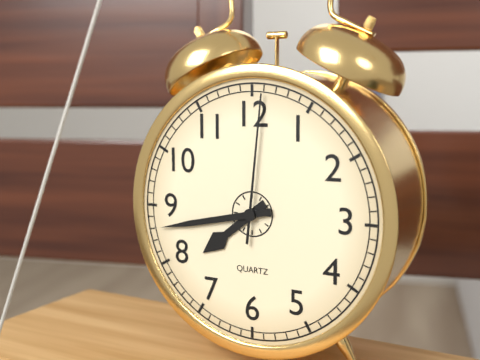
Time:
7.43.01
